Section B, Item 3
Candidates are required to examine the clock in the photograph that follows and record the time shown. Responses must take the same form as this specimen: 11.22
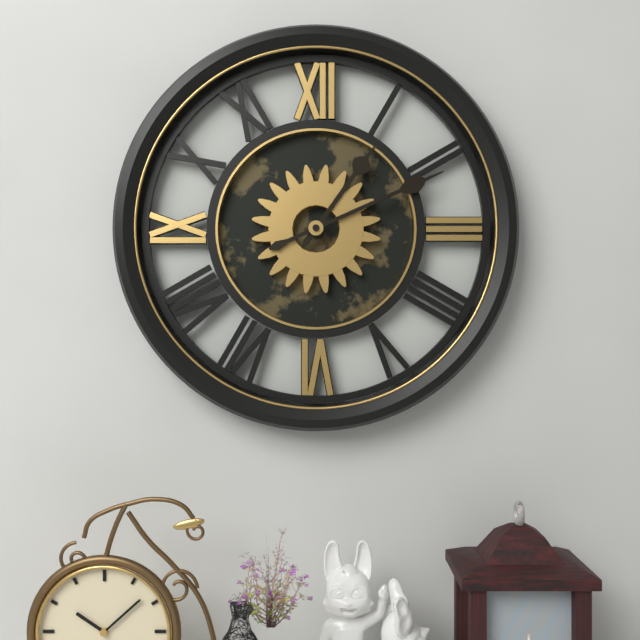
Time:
1.11
